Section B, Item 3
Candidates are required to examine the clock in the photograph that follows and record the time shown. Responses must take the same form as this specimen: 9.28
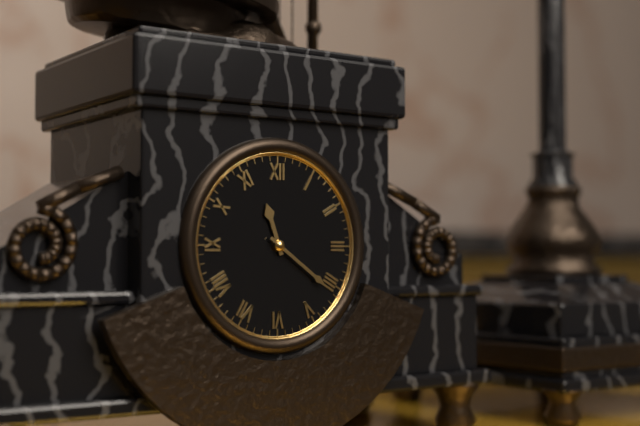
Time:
11.21
